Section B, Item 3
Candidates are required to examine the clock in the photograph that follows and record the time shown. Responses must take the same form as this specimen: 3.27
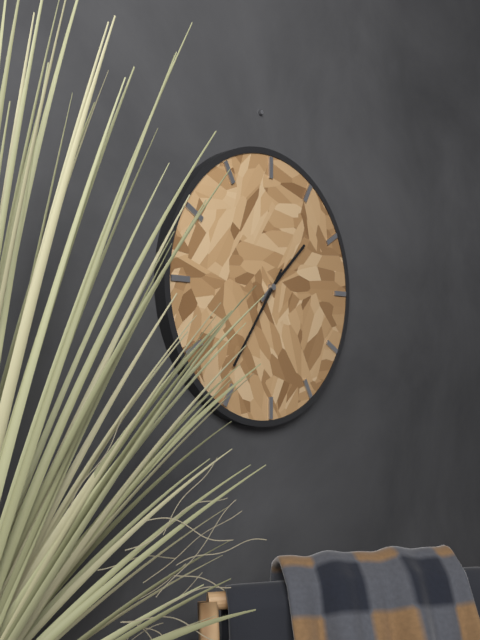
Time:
1.36
